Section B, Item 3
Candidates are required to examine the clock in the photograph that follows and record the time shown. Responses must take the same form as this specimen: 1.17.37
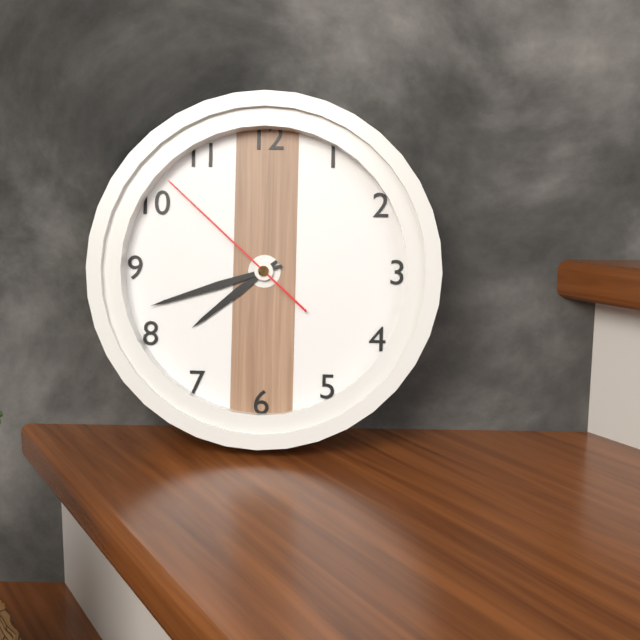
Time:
7.42.52
